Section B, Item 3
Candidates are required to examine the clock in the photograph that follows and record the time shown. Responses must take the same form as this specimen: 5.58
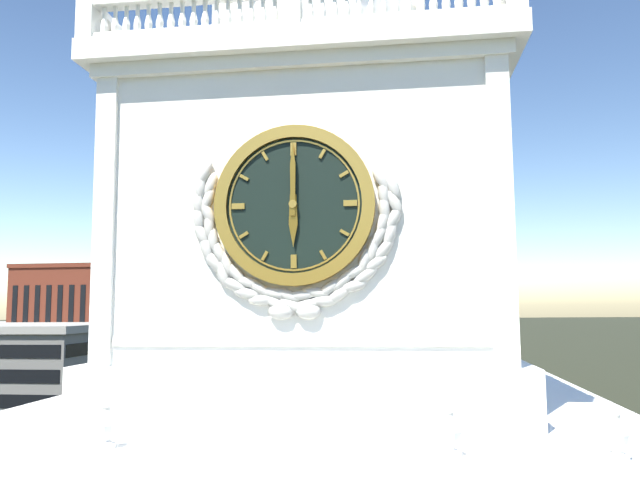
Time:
6.00
